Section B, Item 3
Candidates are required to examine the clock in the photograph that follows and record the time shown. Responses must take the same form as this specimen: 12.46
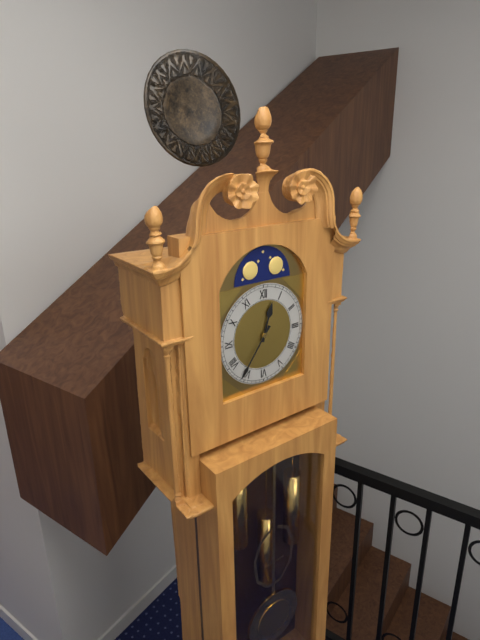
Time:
12.36
